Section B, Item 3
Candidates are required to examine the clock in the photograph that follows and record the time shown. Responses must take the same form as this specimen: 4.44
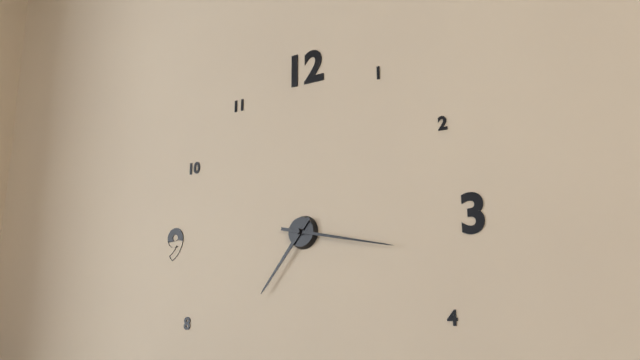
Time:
7.17
